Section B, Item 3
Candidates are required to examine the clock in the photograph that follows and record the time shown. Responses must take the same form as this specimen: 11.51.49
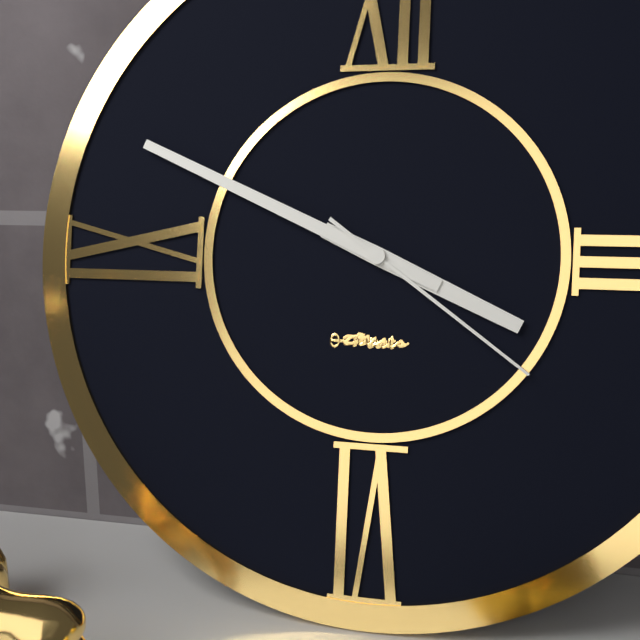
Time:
3.49.21
